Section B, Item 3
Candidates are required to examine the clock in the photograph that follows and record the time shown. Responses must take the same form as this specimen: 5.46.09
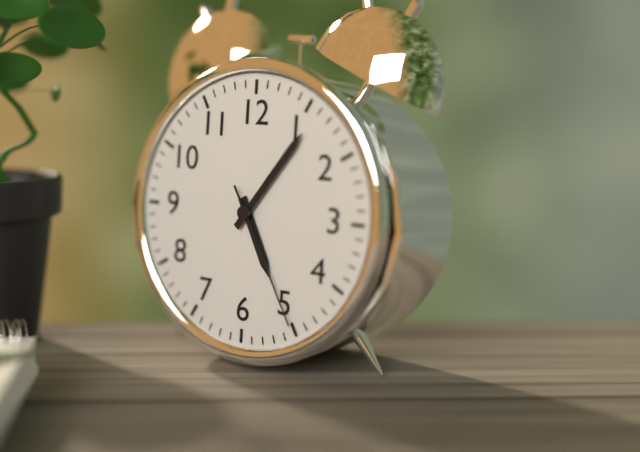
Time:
5.06.25
